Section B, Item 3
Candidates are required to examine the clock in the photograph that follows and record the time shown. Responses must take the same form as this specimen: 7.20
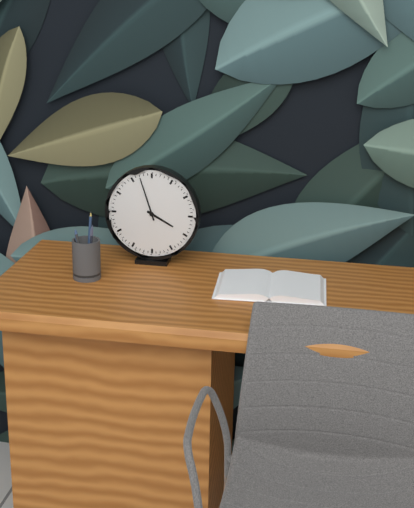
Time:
3.57
